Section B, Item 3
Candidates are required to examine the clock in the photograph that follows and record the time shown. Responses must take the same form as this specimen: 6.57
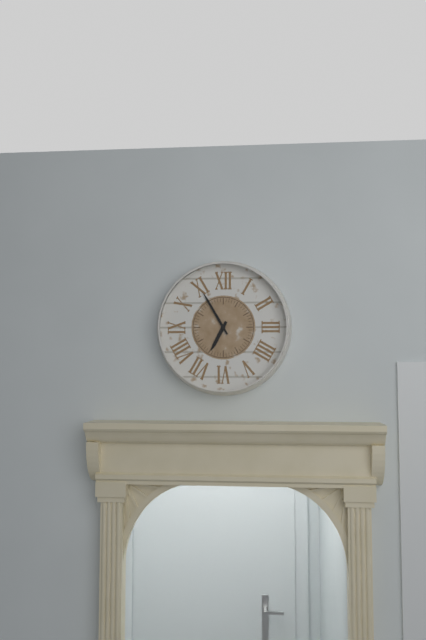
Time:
6.55
